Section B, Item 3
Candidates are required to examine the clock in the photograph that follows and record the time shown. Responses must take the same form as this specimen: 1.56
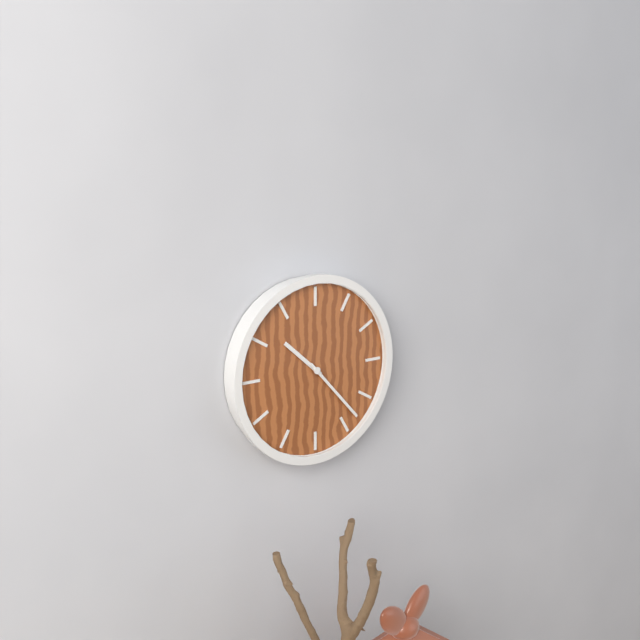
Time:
10.23
